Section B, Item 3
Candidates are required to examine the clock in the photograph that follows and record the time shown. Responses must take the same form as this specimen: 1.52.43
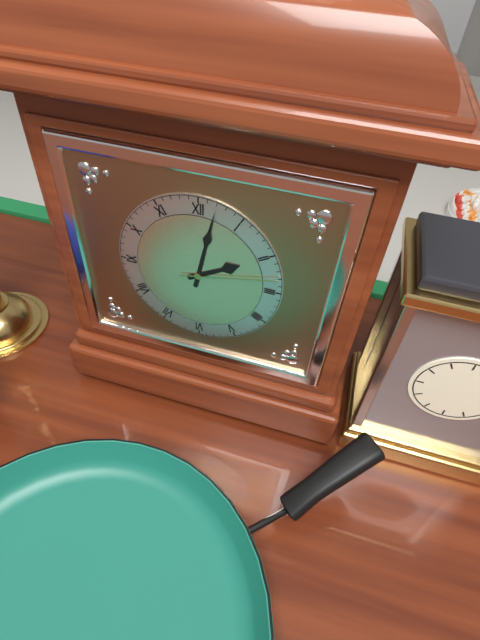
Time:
2.02.13
